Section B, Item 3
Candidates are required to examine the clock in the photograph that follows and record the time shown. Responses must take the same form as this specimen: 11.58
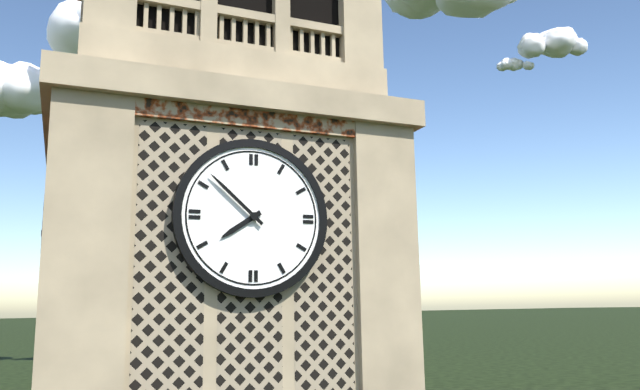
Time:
7.52
